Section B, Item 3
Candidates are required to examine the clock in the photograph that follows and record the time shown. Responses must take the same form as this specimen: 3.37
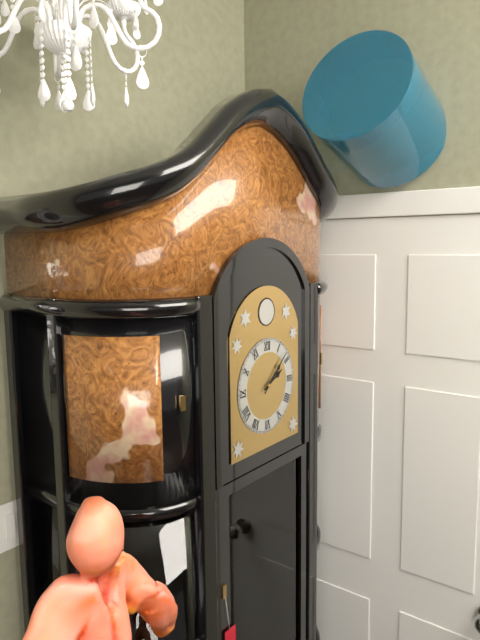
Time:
2.08
